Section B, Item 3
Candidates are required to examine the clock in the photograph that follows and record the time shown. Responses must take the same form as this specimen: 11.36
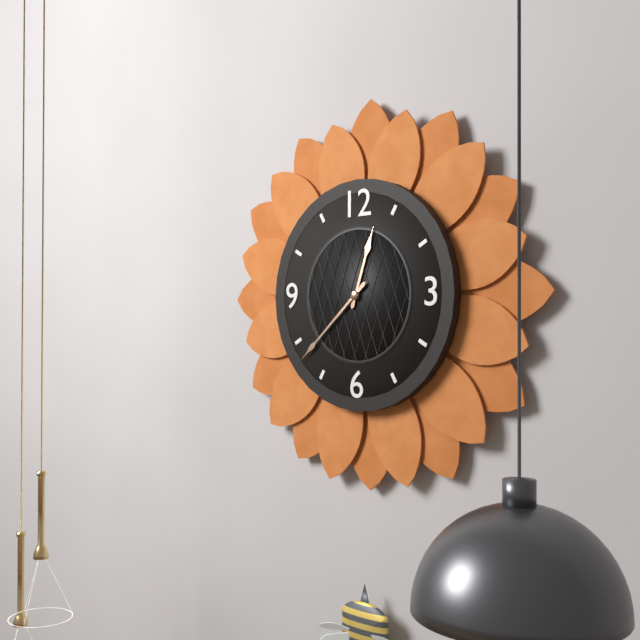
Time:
12.38
